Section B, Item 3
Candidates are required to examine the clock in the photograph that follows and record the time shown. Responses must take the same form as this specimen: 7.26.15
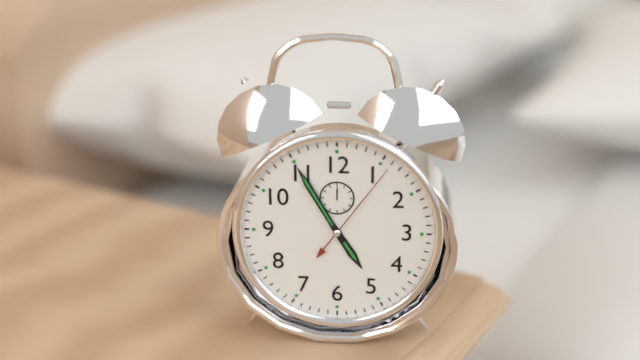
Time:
4.55.06
